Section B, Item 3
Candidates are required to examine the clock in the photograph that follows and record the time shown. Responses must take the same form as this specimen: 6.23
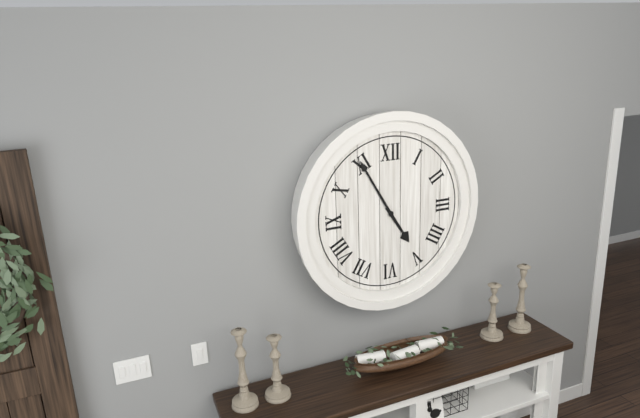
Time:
4.55
